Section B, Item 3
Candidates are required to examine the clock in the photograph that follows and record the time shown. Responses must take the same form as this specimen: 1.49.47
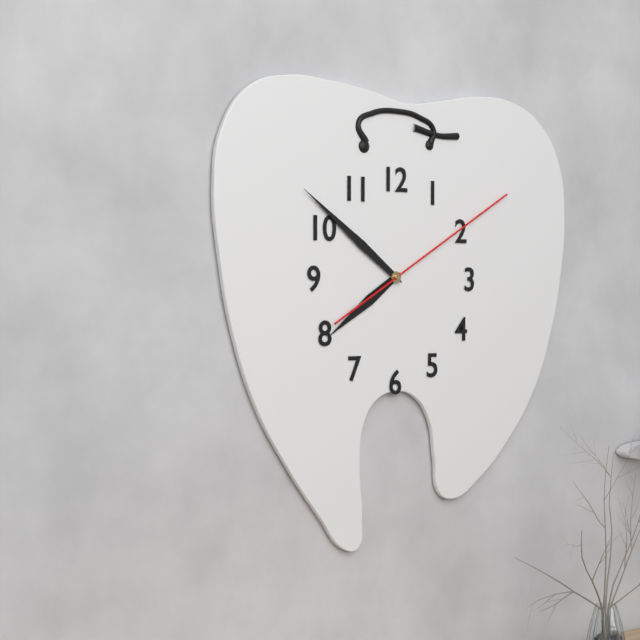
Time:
7.51.10
